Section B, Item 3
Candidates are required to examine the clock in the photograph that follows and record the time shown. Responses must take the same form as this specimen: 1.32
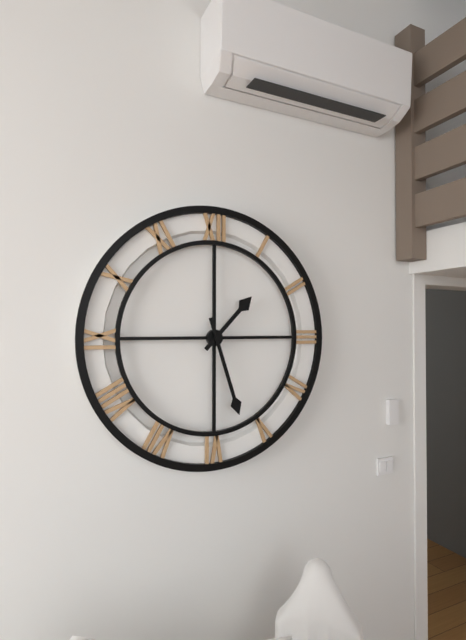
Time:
1.27
